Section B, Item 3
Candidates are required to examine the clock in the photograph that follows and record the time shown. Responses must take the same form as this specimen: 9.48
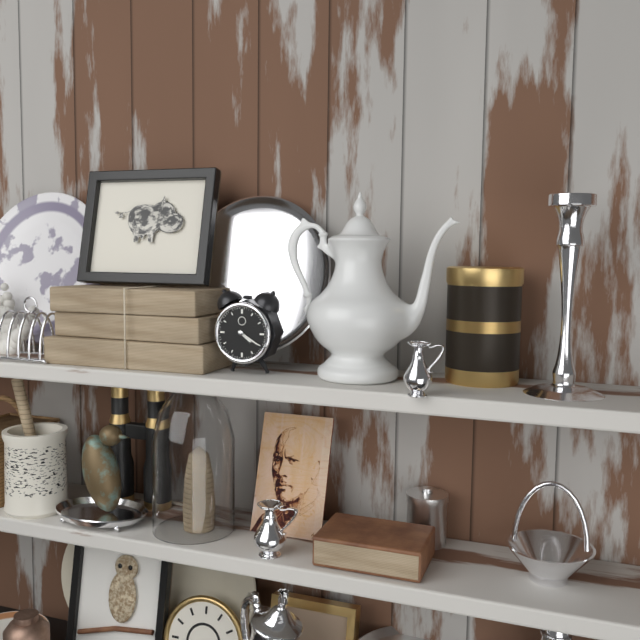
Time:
4.20
